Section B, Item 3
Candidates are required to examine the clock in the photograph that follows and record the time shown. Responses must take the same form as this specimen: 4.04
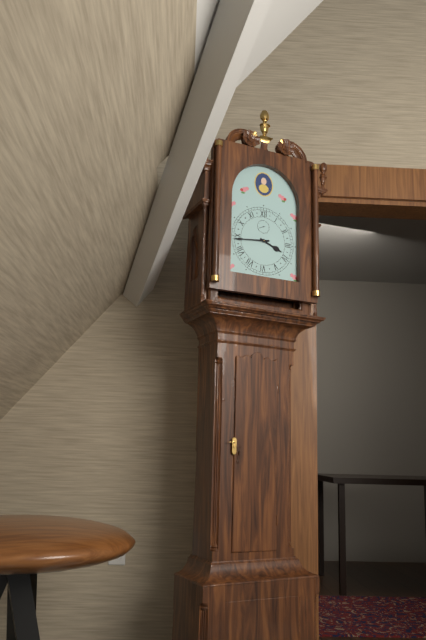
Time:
3.44
